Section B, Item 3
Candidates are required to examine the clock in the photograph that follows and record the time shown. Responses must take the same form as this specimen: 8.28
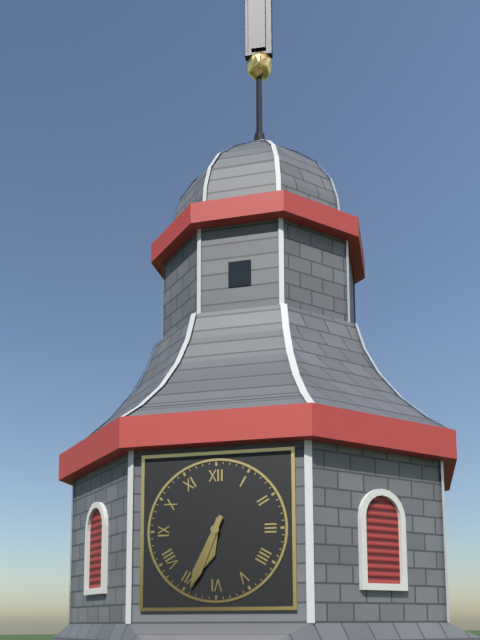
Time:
6.34
